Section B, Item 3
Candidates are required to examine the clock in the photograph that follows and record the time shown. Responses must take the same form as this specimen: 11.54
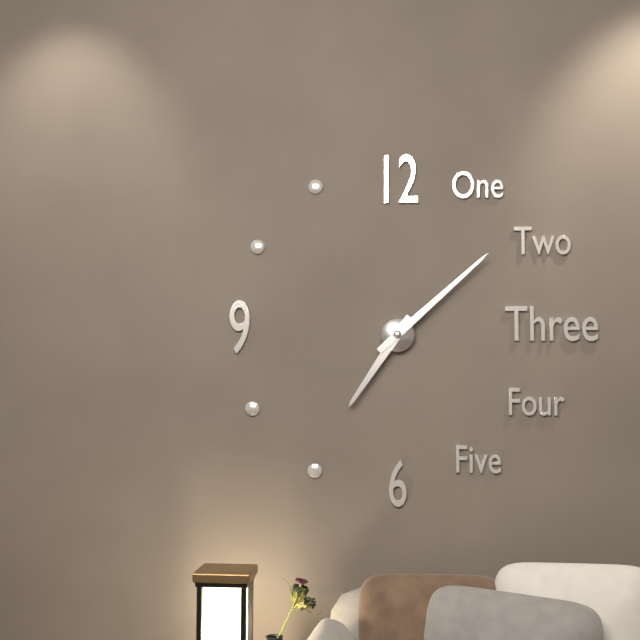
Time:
7.08
